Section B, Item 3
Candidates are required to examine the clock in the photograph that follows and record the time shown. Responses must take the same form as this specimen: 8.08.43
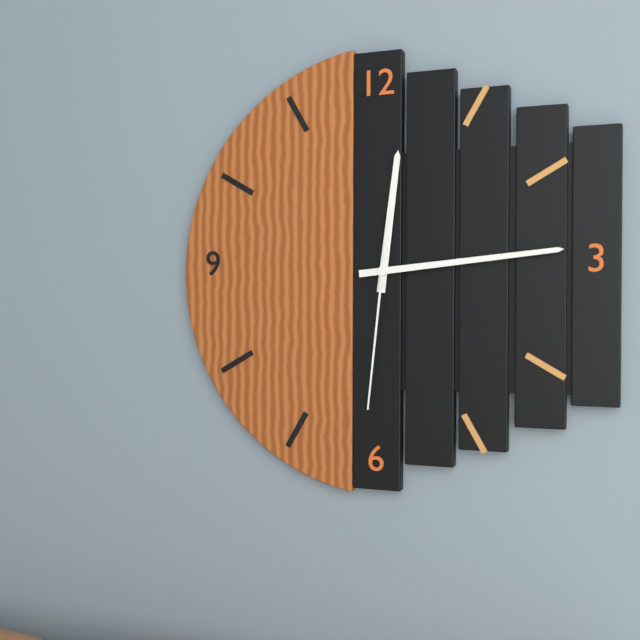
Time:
12.14.31
